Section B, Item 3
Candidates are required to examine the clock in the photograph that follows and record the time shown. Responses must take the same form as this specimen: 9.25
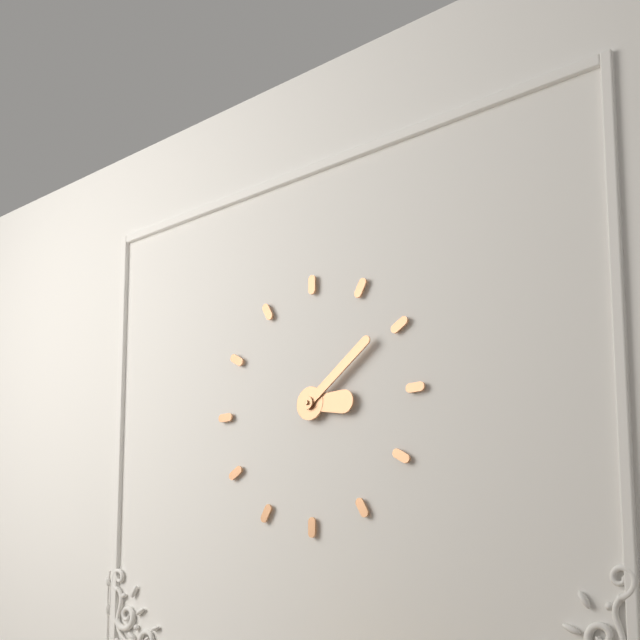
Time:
3.09
